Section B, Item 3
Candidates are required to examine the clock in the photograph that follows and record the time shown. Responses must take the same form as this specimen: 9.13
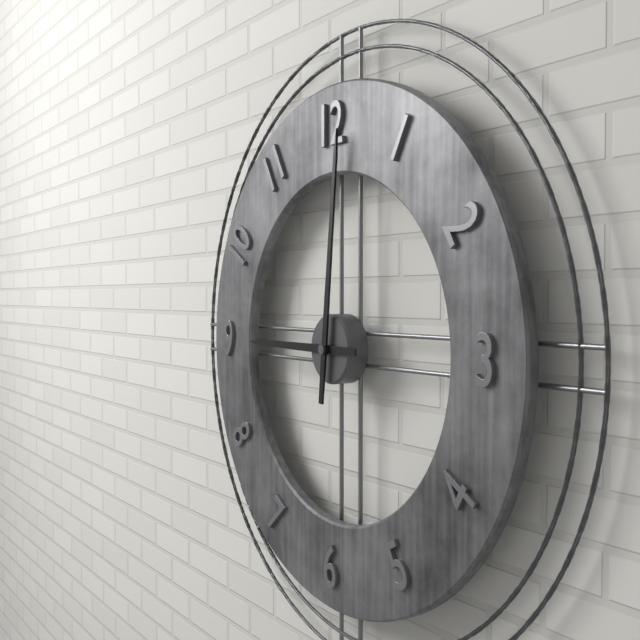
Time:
9.01
